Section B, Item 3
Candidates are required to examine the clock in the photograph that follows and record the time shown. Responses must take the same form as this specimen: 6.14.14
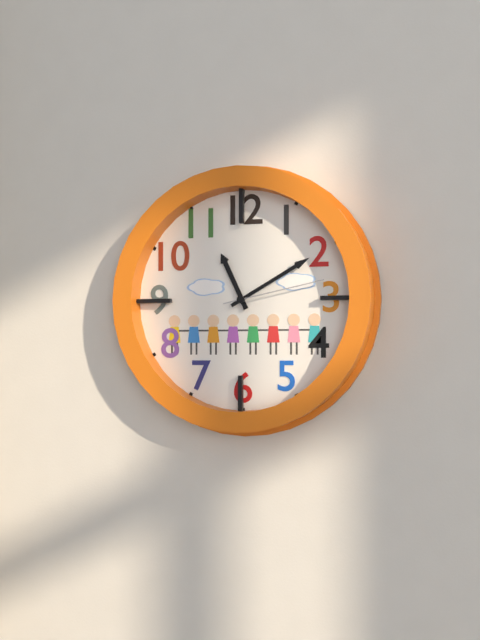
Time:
11.10.13
